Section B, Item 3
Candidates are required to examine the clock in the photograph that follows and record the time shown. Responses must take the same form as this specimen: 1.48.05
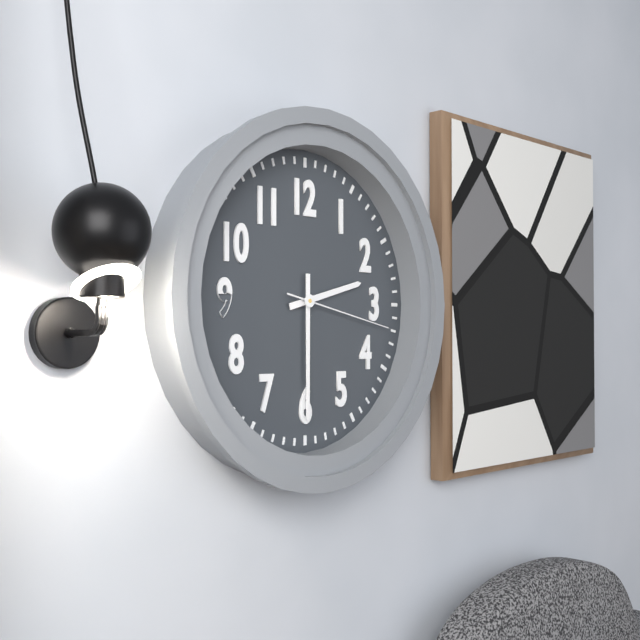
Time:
2.30.17
